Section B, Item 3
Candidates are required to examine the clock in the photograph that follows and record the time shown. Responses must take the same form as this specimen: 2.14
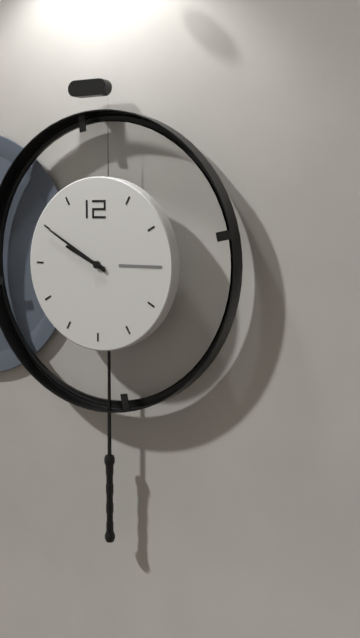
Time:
9.50
